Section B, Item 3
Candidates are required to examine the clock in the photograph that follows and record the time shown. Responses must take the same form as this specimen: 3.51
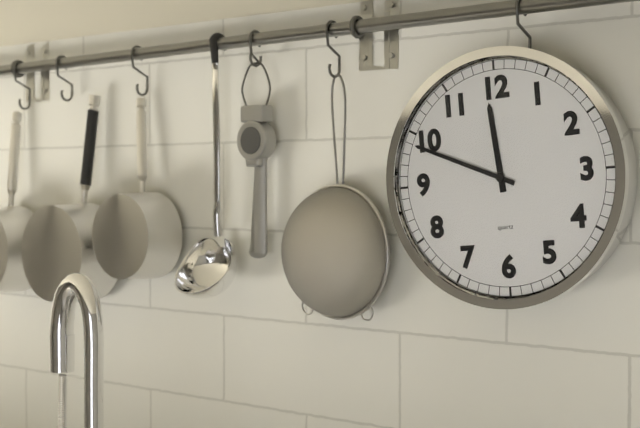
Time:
11.49
